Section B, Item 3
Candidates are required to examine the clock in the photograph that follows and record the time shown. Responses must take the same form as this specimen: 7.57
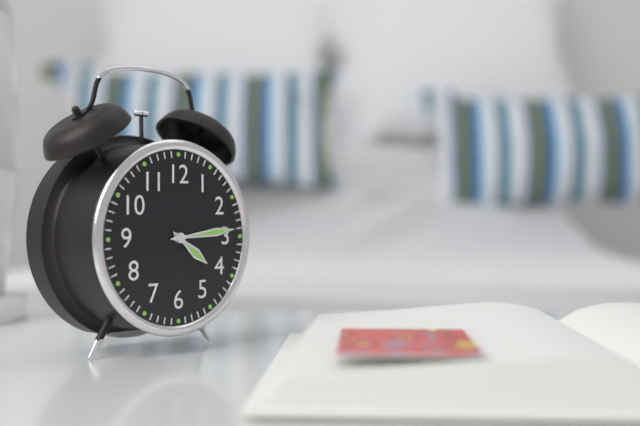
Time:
4.14
